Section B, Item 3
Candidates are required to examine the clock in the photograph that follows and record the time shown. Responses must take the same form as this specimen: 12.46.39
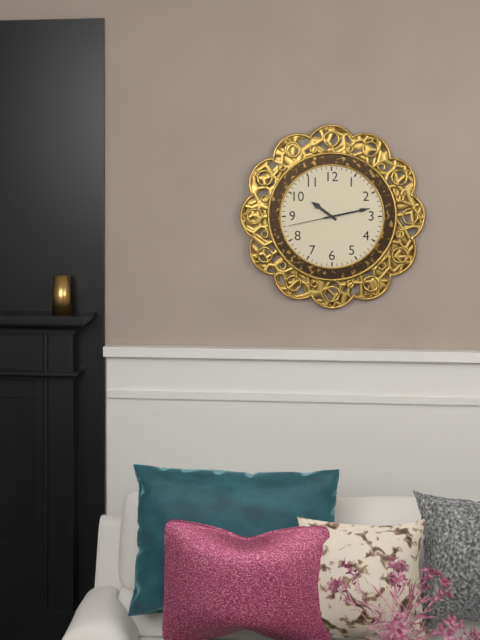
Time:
10.13.43
